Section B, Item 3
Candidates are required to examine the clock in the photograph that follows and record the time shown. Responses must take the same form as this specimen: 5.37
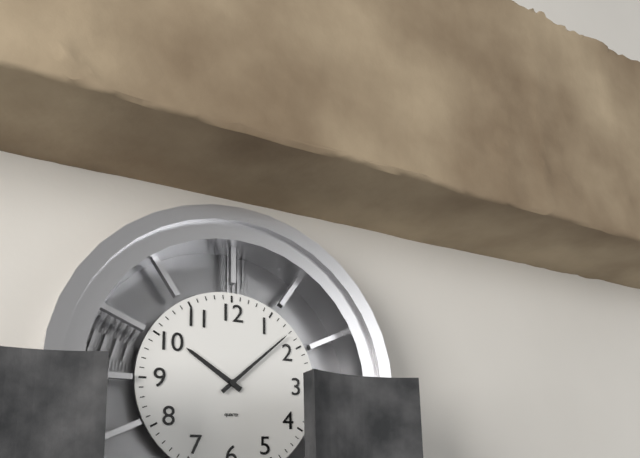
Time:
10.08
